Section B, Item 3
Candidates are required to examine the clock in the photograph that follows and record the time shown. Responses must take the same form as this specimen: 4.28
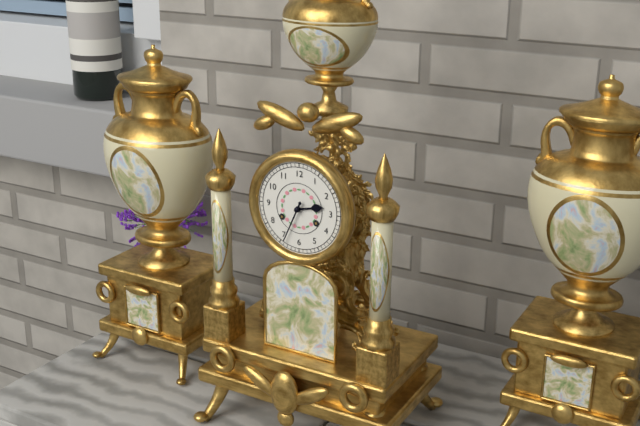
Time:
2.34
